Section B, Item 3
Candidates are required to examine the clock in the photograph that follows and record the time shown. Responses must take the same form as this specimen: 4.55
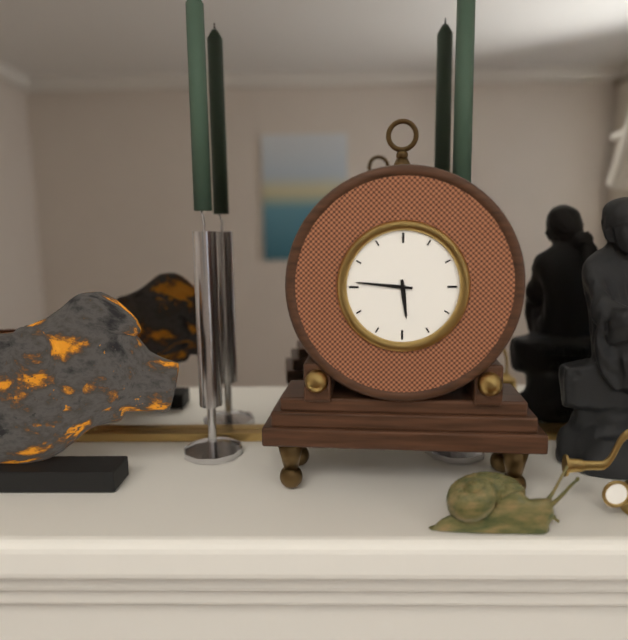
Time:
5.46
